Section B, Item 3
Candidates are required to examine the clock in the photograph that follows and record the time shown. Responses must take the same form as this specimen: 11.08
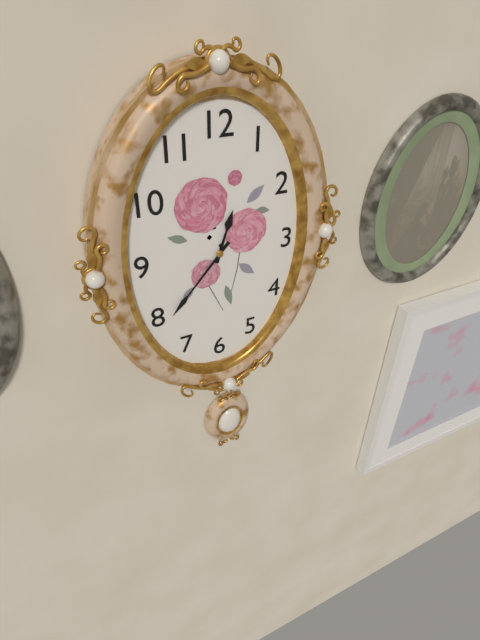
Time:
12.37
